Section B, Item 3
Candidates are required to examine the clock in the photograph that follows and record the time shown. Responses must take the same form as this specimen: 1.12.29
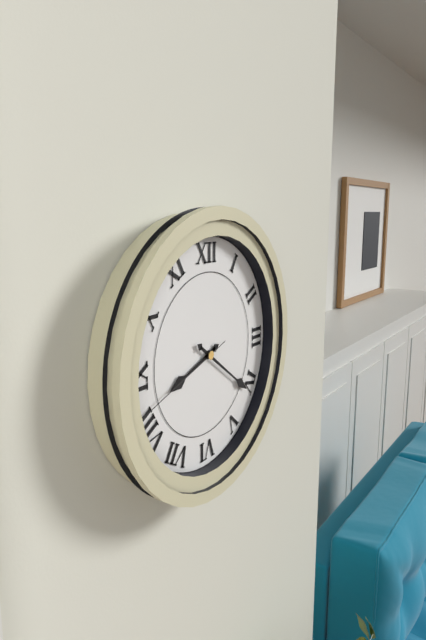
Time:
8.21.42
